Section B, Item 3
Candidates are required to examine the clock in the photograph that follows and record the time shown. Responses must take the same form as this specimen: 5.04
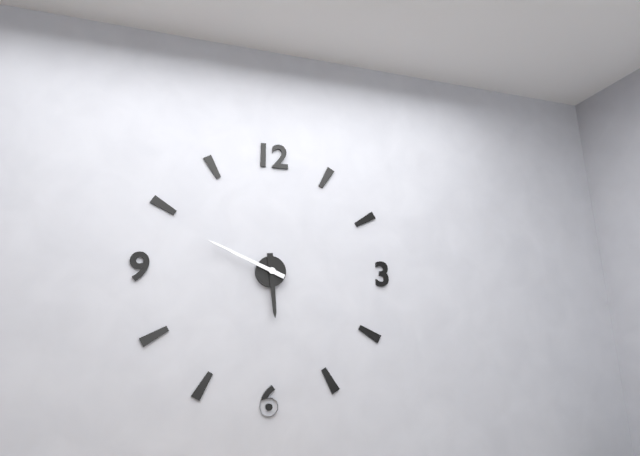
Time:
5.49
